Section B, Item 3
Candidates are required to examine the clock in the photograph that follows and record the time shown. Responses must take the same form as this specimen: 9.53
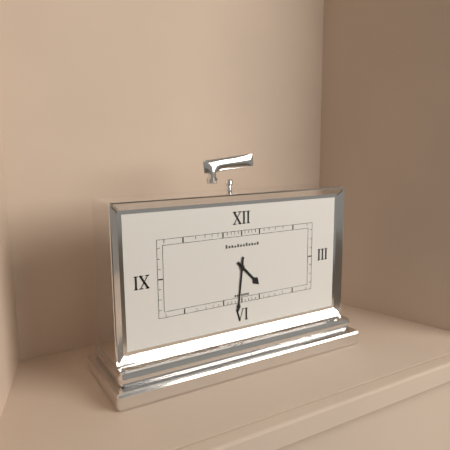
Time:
4.31
